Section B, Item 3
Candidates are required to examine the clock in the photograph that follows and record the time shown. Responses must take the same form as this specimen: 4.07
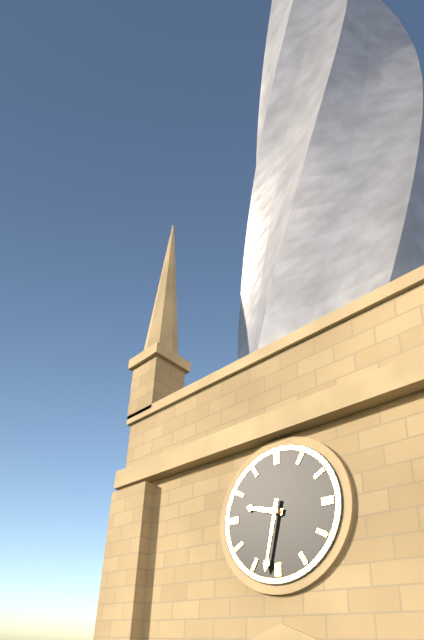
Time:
9.32
